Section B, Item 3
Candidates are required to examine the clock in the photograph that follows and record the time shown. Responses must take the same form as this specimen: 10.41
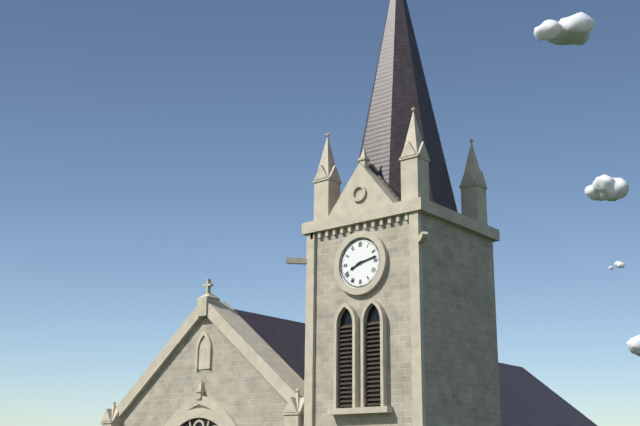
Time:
8.13
